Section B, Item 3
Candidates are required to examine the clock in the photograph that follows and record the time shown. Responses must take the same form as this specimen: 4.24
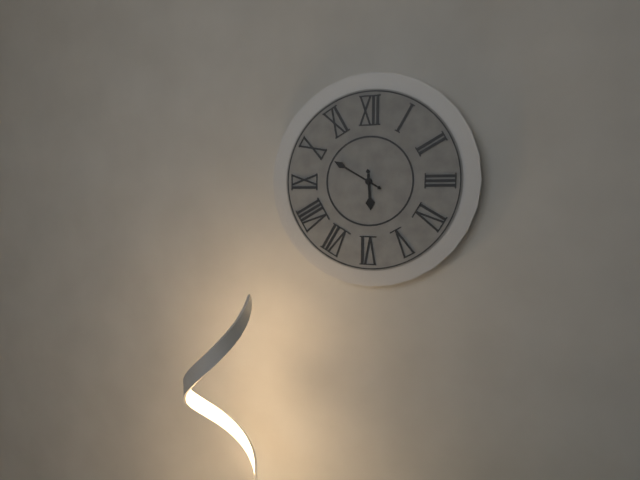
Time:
5.50
